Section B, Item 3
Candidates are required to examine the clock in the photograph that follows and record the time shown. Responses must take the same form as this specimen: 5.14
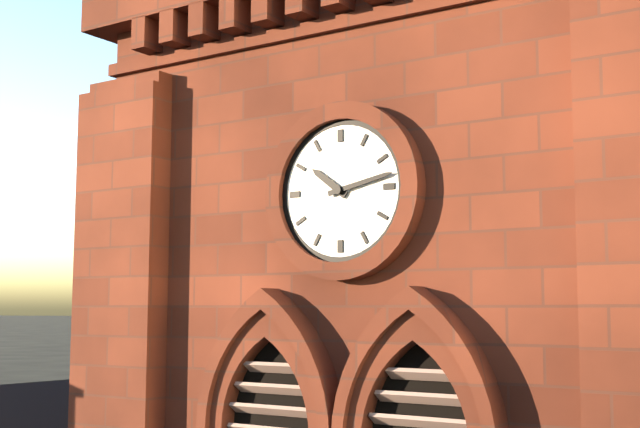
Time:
10.13
